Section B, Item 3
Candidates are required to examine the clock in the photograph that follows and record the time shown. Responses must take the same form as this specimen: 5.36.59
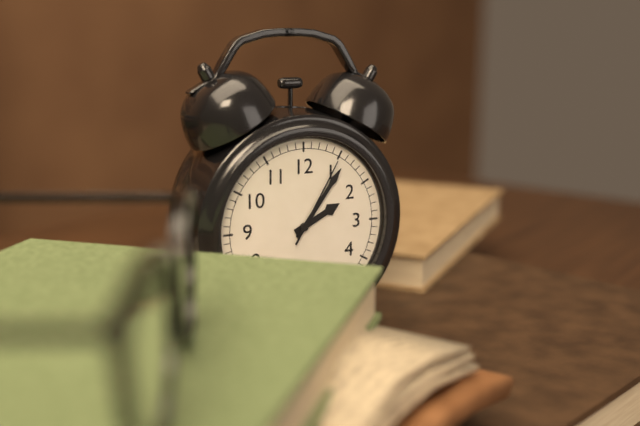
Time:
2.06.05
